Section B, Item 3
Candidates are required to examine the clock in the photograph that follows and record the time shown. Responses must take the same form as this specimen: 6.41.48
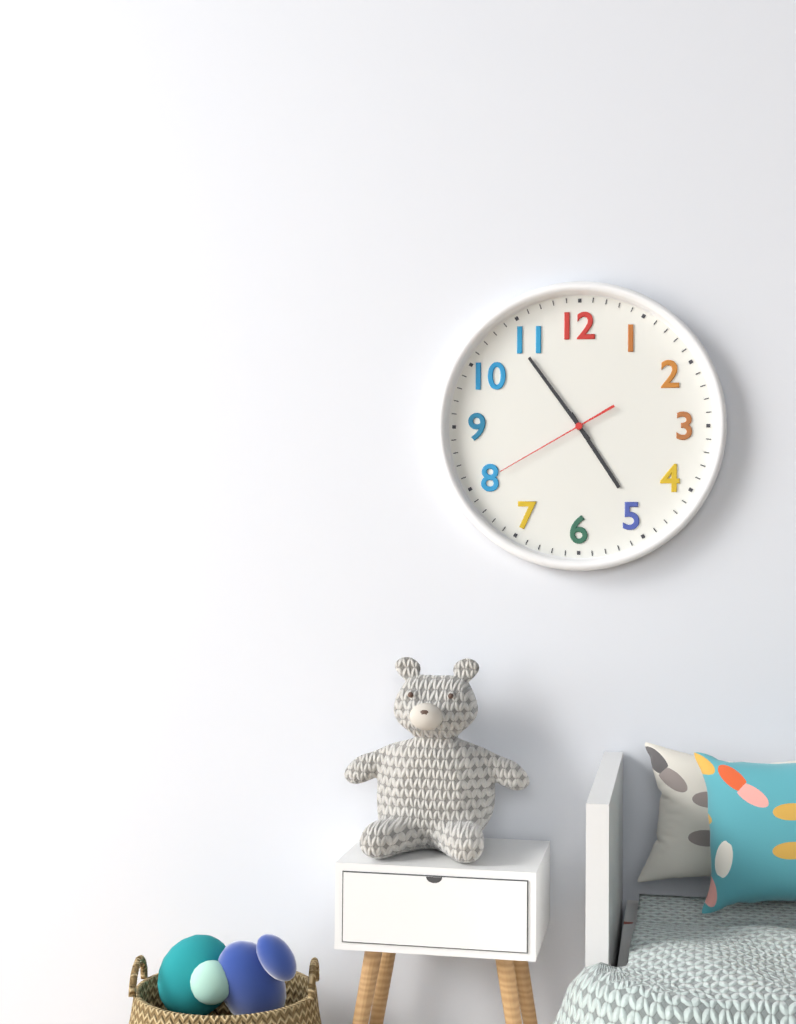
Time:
4.54.40
